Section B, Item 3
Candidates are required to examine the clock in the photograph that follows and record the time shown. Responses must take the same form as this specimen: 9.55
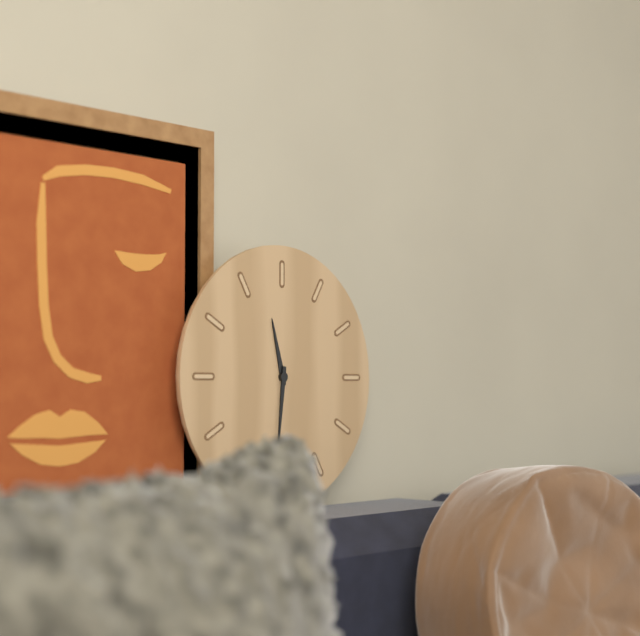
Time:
11.31
